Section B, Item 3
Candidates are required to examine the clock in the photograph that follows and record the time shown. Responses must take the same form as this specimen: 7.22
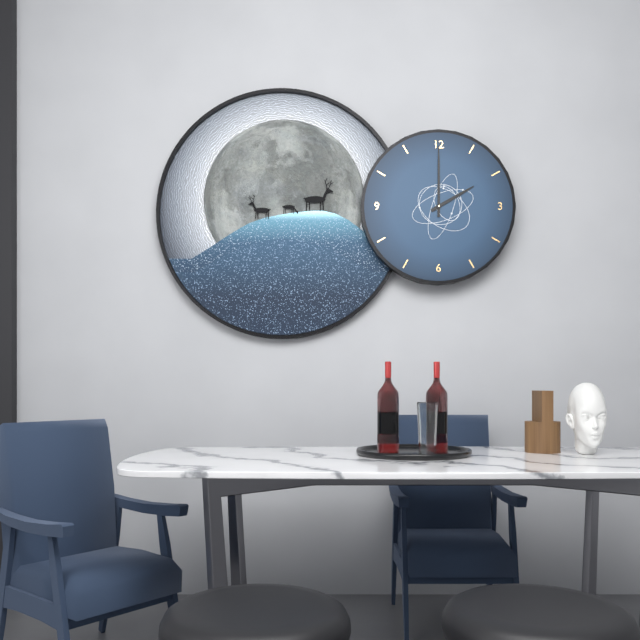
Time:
2.00
